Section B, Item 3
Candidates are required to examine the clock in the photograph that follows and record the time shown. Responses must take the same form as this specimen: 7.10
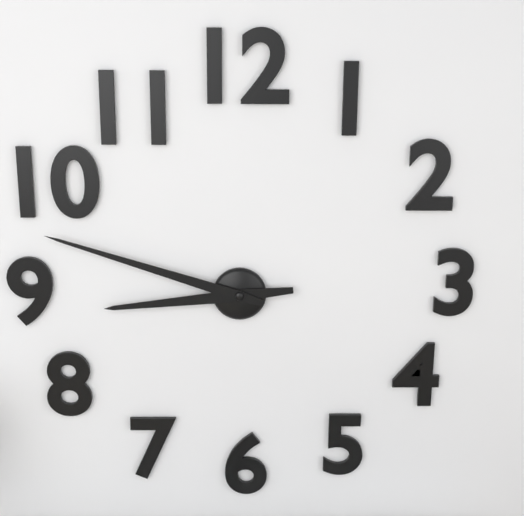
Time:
8.48
